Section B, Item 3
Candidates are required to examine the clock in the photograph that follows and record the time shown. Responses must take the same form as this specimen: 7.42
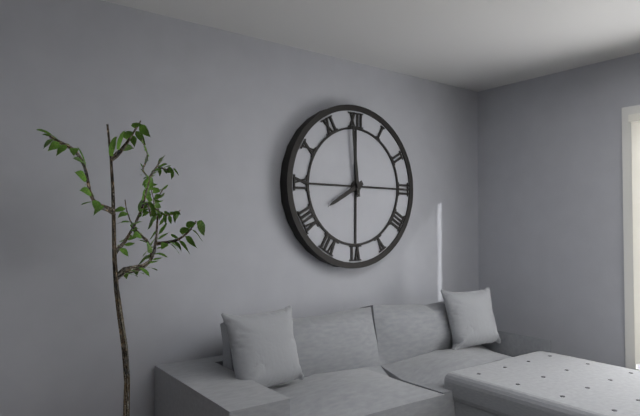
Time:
7.59
